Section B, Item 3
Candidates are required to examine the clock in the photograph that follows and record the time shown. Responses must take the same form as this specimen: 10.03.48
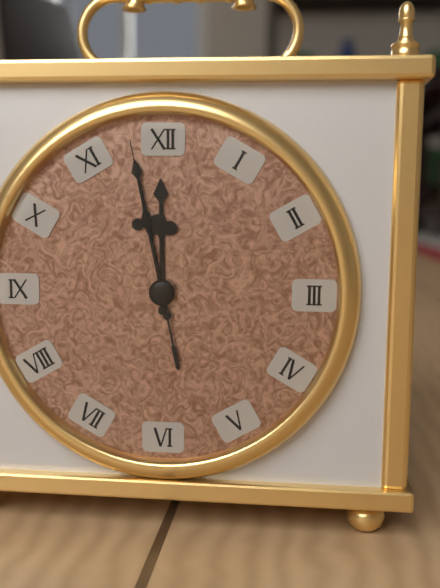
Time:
11.58.58
